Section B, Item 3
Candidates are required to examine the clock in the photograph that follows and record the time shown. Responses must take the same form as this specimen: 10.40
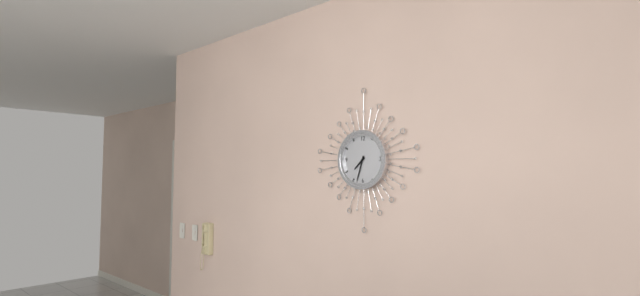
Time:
7.33
